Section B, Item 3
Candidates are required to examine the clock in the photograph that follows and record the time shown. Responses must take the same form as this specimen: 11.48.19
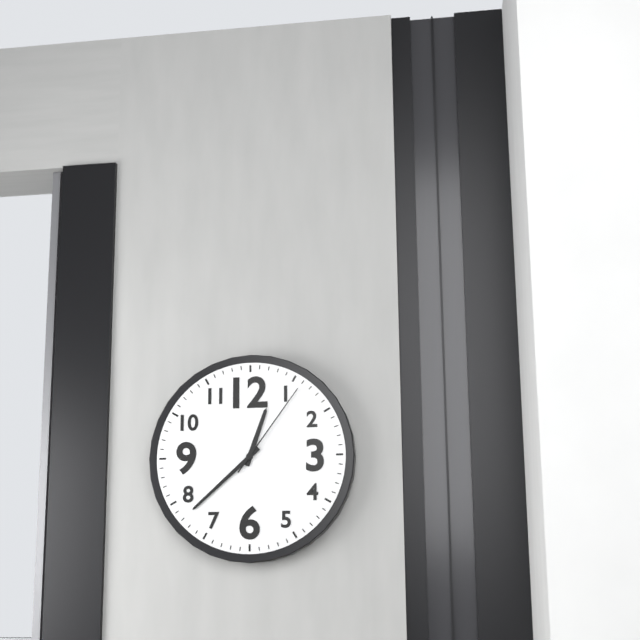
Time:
12.38.06
